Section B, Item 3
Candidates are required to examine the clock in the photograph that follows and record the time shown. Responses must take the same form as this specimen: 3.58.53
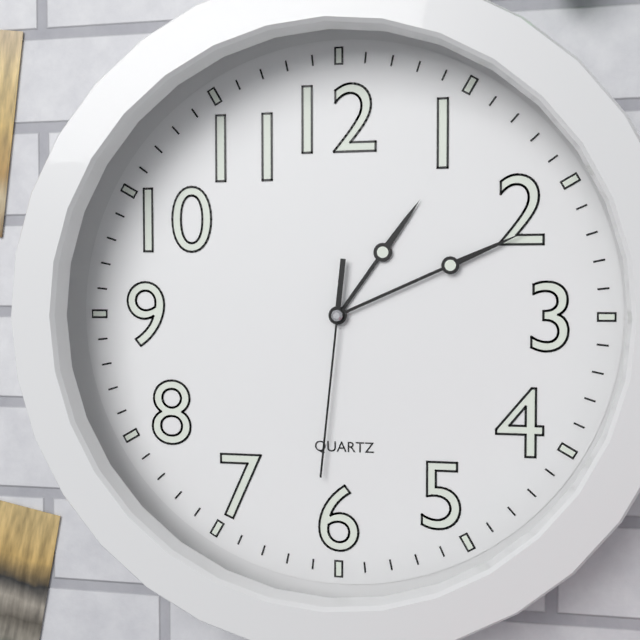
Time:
1.11.31
